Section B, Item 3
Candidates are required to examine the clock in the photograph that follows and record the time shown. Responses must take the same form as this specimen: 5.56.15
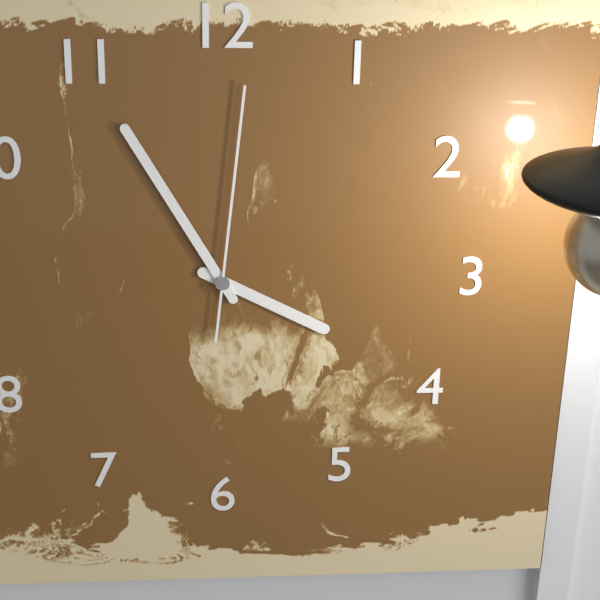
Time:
3.55.01
